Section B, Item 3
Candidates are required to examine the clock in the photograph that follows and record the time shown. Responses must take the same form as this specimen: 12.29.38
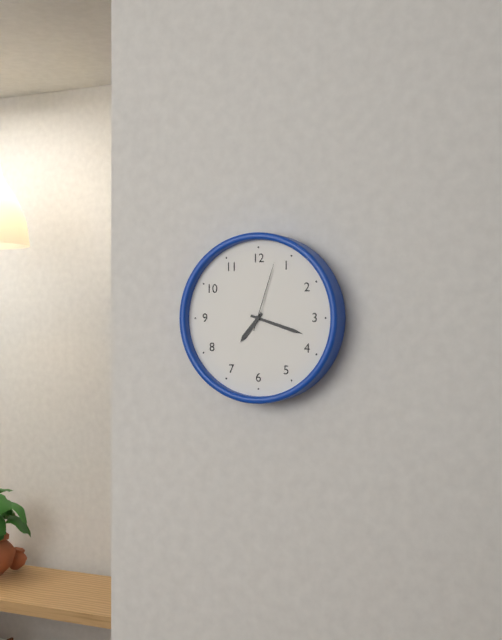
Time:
7.18.03
